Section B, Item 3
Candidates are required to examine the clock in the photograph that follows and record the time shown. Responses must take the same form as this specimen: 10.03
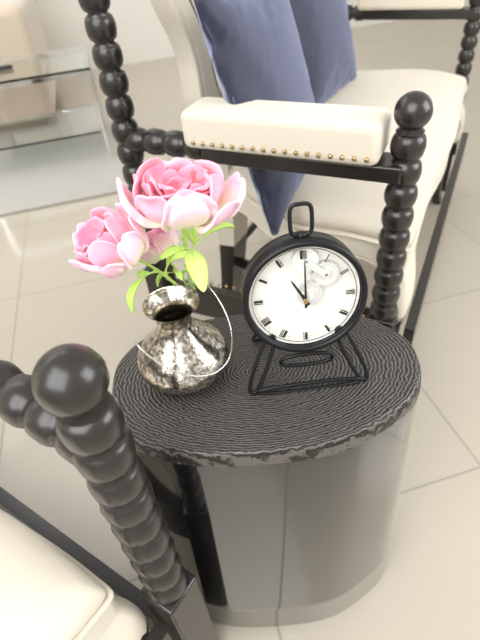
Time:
11.00
